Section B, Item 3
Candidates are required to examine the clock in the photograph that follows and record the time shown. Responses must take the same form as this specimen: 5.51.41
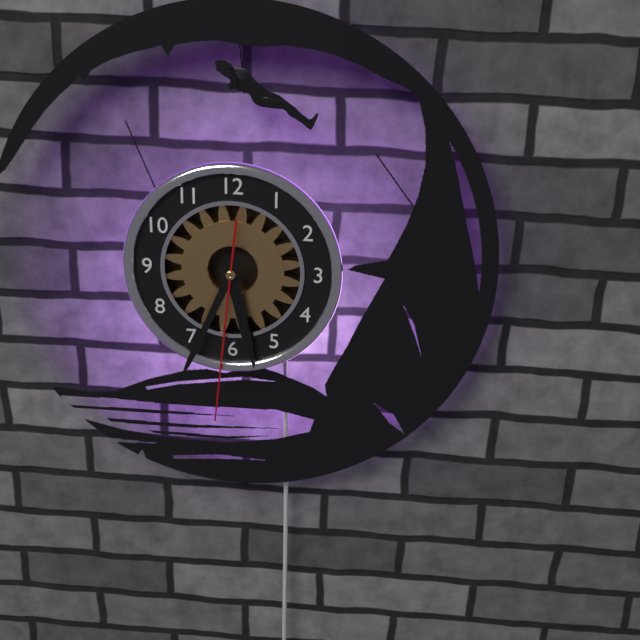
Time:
5.34.31
